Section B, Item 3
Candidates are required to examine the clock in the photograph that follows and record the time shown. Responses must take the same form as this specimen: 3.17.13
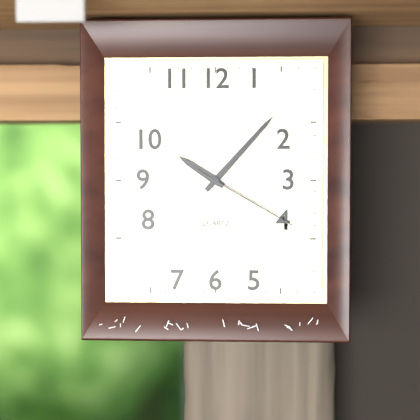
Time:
10.07.20
